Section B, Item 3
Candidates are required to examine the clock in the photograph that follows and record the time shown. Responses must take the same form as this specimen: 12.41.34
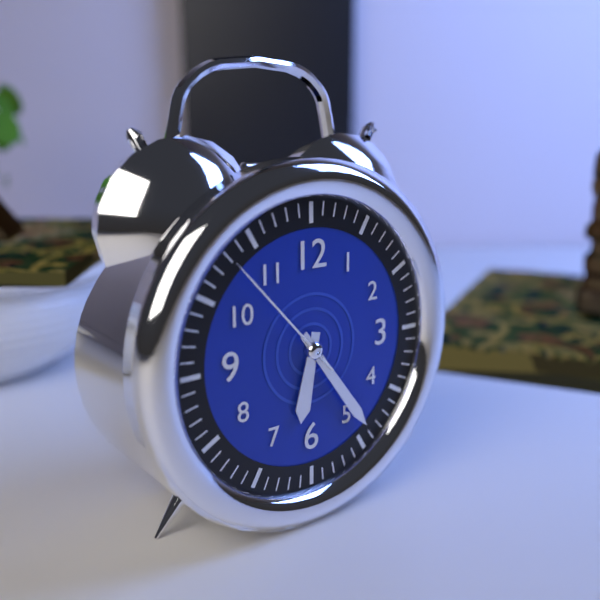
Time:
6.24.53
